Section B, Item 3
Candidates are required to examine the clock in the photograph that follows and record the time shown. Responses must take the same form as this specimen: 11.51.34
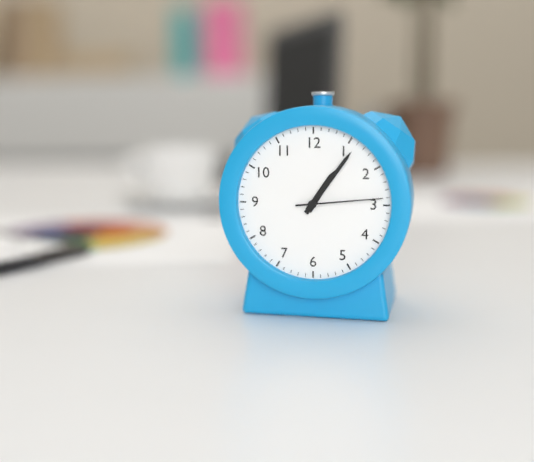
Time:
1.06.14
